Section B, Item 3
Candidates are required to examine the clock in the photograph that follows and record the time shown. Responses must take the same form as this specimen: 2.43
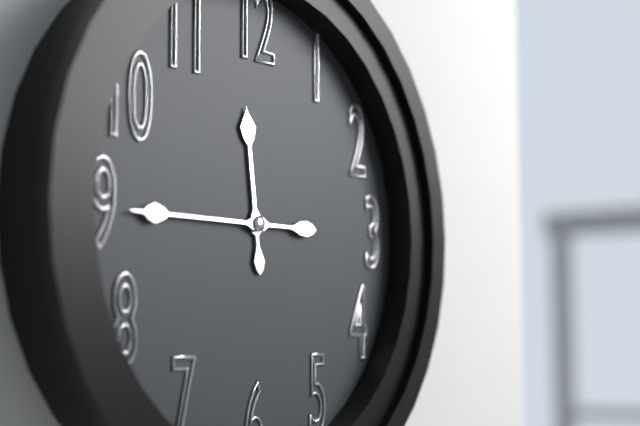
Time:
11.45
